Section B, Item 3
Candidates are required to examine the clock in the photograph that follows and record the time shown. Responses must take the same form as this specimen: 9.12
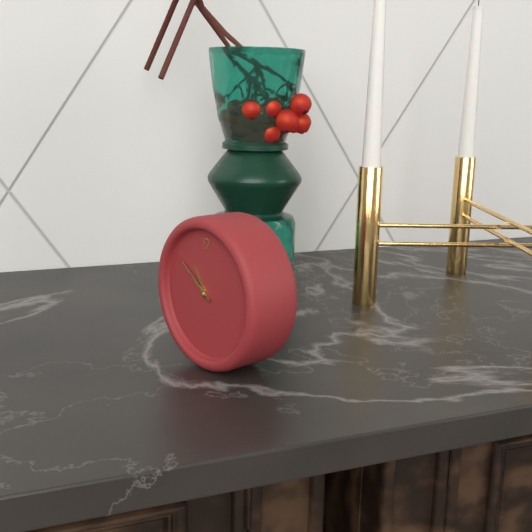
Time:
10.51
